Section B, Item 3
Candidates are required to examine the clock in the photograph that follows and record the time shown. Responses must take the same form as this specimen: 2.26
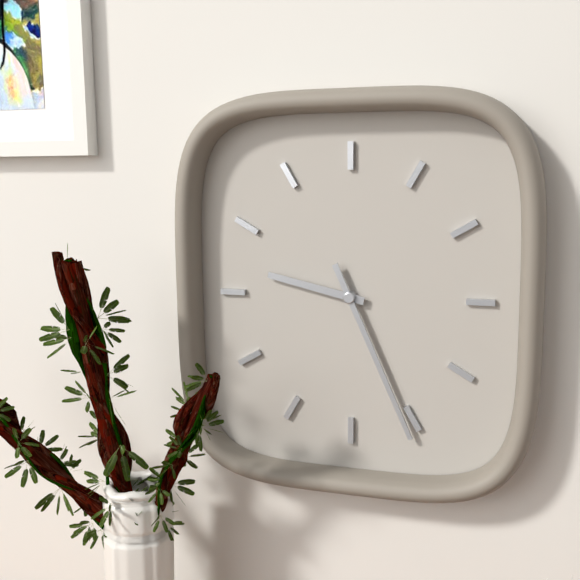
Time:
9.26
